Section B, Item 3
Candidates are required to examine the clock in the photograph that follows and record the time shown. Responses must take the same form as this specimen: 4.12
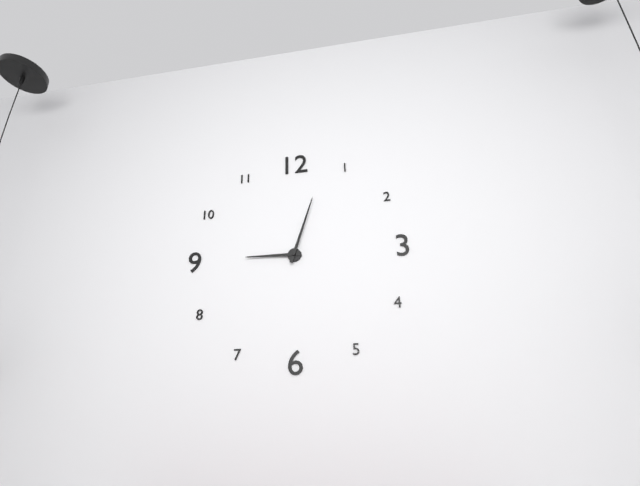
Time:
9.03
